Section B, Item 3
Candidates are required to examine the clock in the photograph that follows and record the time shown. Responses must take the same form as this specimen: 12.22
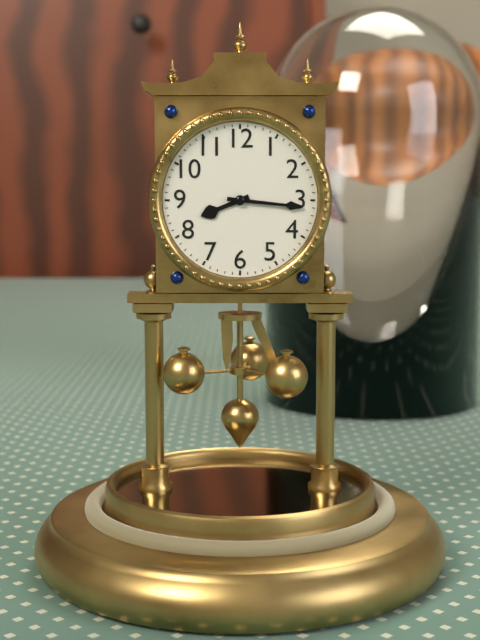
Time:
8.16
